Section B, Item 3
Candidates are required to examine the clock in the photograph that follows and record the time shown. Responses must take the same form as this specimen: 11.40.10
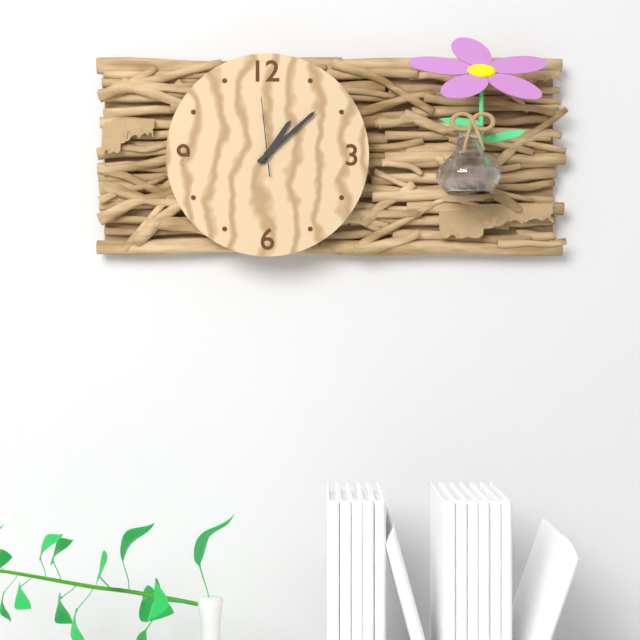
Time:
1.08.59
